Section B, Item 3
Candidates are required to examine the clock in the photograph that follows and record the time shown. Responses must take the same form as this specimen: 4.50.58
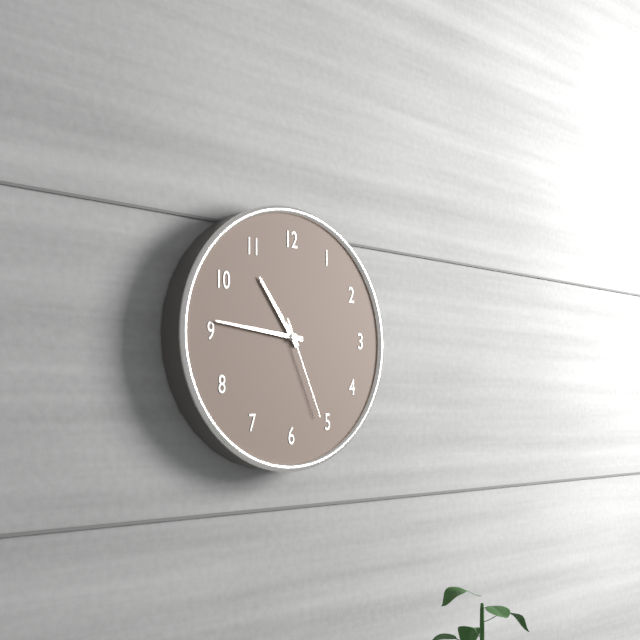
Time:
10.46.26
